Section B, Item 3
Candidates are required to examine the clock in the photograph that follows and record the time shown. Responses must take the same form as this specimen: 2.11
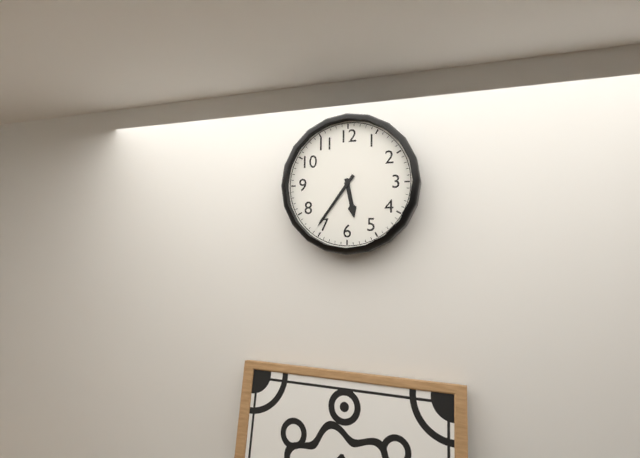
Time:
5.36
